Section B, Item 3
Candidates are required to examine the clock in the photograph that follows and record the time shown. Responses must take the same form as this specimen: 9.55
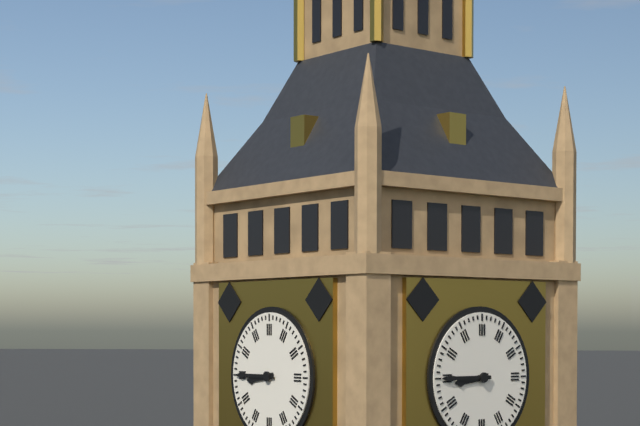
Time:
8.45
